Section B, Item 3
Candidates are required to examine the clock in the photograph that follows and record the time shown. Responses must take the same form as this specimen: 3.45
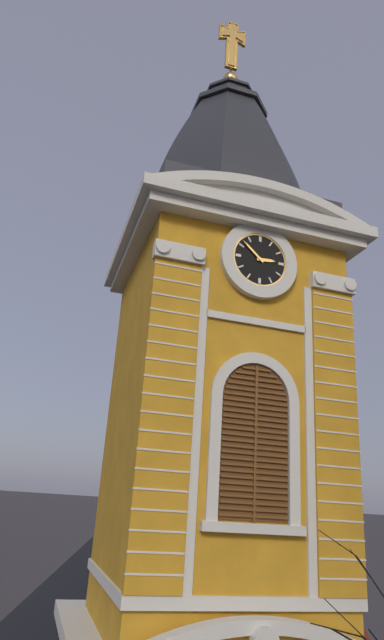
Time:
2.52
